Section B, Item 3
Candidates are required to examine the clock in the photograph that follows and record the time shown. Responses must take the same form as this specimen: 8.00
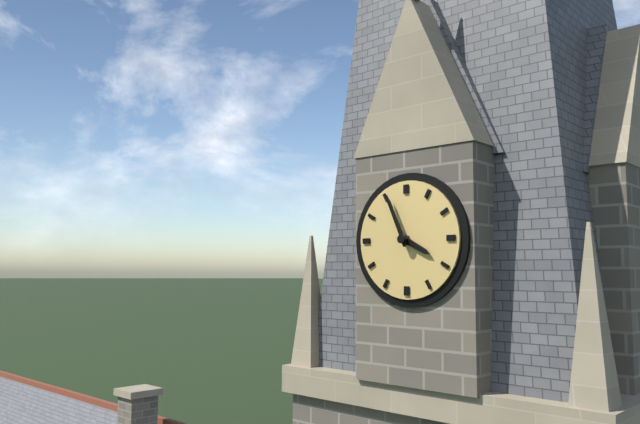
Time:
3.56
